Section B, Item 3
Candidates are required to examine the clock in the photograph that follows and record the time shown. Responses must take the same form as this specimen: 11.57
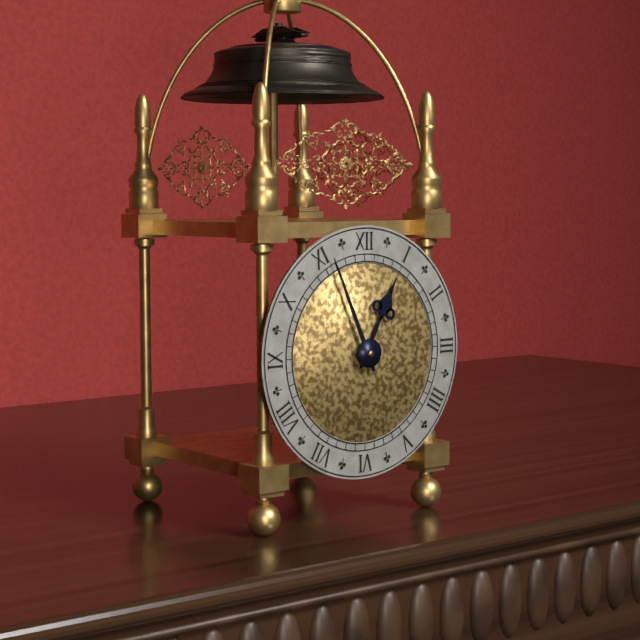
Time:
12.56
